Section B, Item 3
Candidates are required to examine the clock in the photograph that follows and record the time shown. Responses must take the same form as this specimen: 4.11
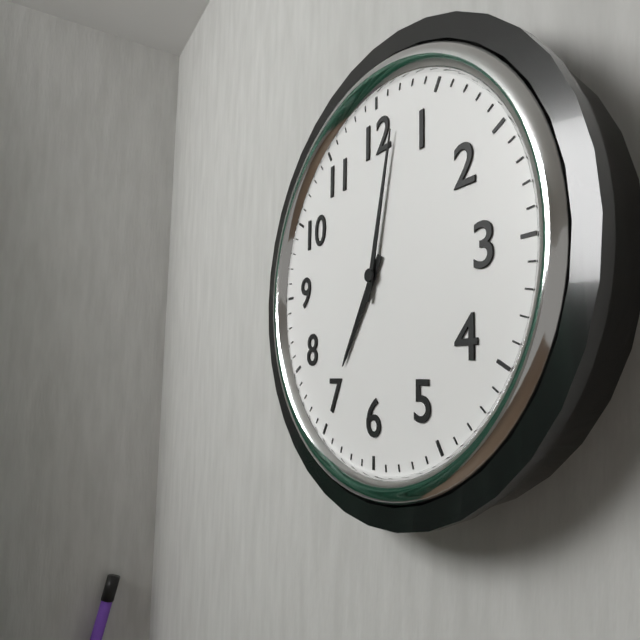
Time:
7.02
